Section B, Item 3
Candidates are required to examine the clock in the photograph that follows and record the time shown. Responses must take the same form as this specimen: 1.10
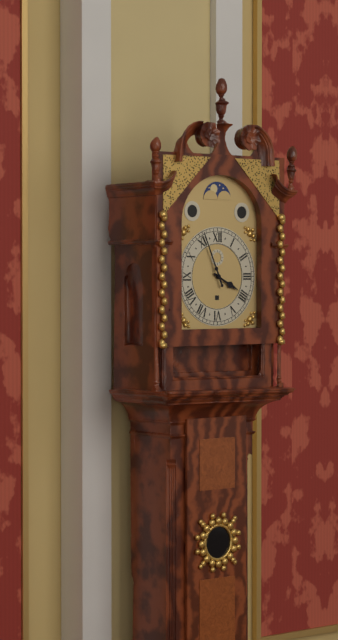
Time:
3.56
